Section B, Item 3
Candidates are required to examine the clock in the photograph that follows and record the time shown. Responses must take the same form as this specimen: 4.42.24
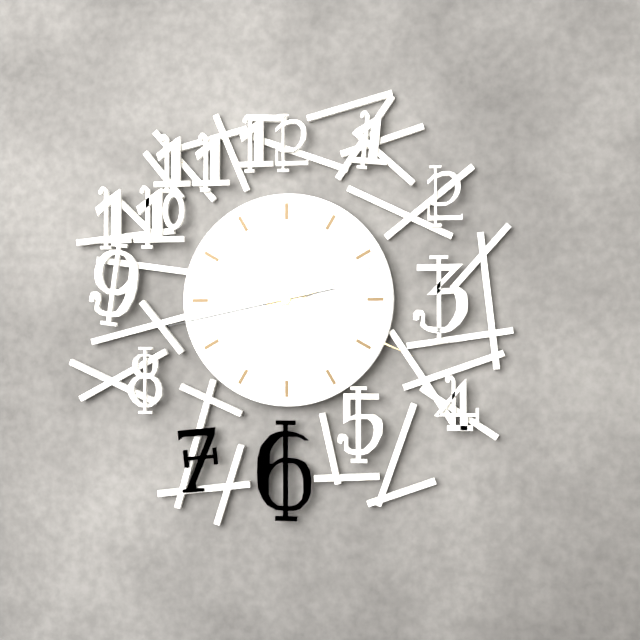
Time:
2.19.43
